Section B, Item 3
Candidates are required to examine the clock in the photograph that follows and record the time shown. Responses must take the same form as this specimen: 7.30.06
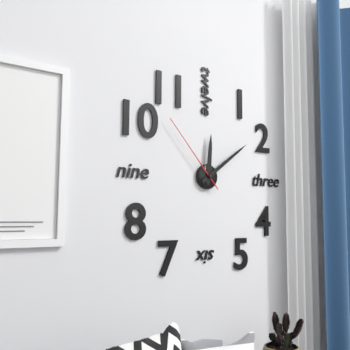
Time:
12.09.53
